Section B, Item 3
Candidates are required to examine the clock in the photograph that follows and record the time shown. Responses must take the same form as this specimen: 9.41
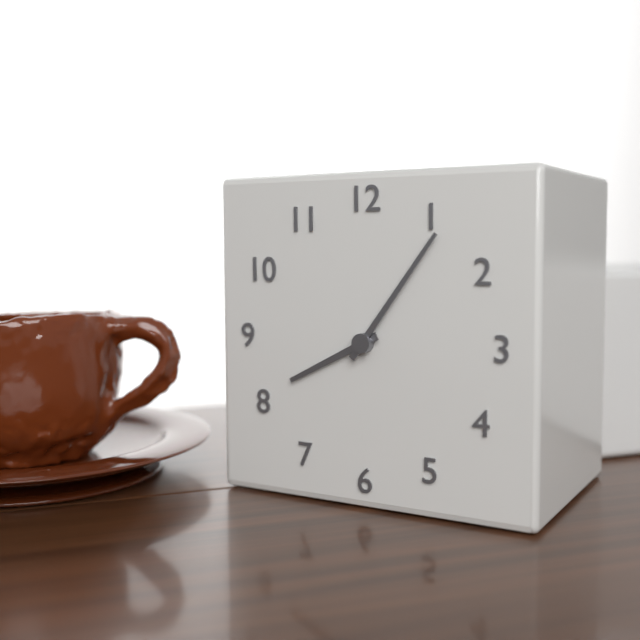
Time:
8.06
